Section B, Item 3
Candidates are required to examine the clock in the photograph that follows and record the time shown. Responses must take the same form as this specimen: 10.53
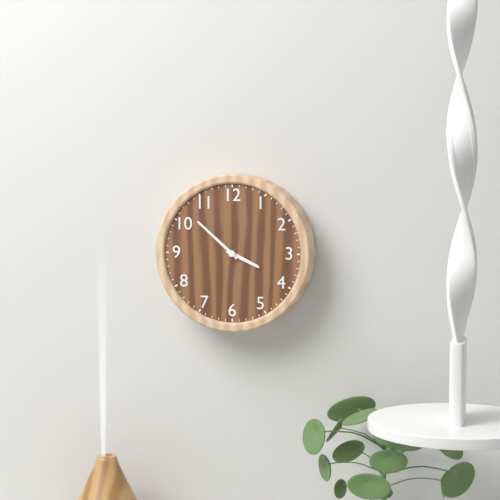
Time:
3.52
